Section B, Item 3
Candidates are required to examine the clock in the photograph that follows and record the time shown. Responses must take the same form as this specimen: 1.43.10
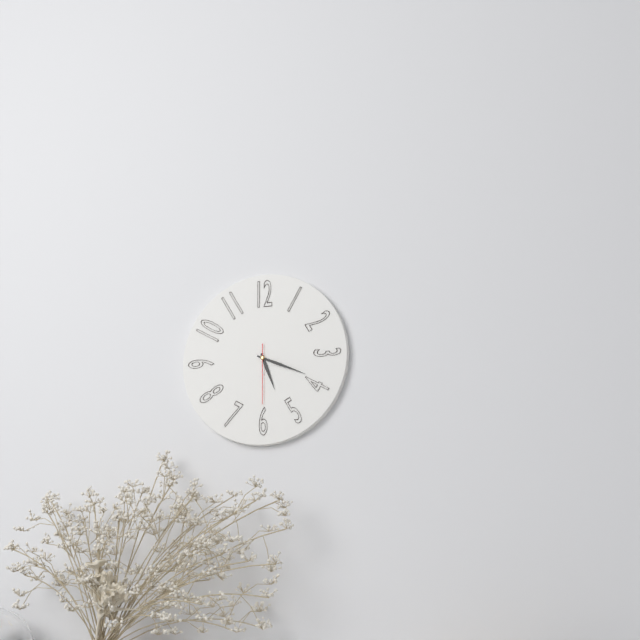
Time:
5.19.30
